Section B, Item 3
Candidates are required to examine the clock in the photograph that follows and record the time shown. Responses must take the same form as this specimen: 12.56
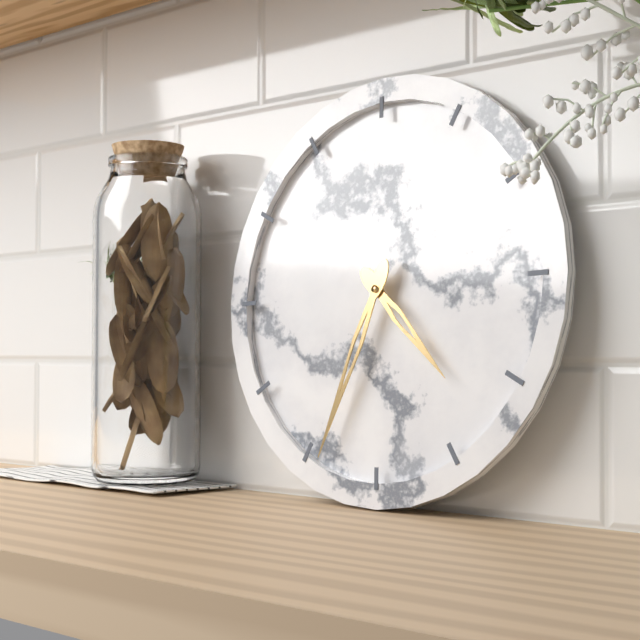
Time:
4.34
